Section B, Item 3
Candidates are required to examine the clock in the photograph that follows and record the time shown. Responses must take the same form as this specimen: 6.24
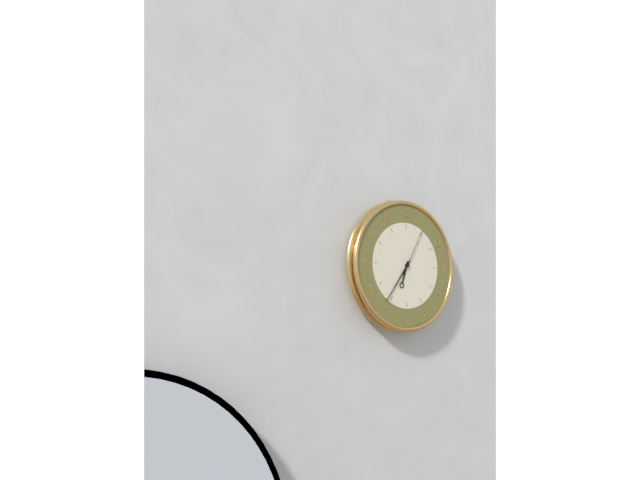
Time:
6.36
